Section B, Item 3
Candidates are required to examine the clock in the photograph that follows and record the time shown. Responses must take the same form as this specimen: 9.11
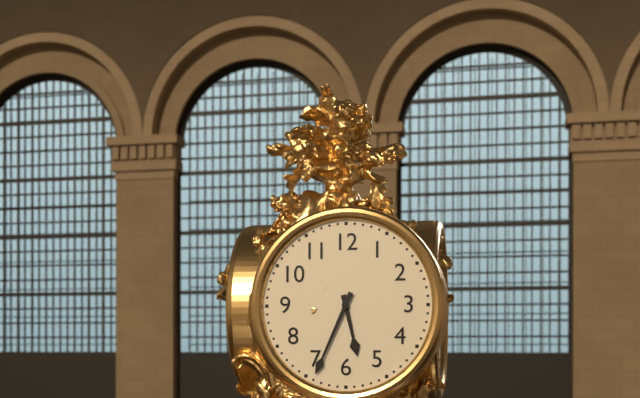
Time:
5.34
